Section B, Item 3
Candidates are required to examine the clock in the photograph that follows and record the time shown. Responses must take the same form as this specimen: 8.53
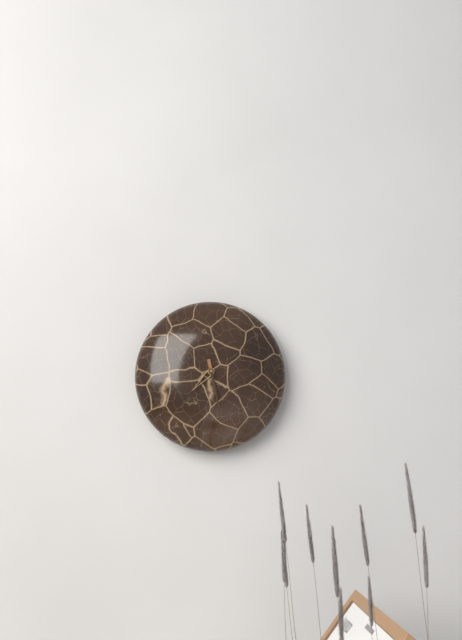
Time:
7.28
